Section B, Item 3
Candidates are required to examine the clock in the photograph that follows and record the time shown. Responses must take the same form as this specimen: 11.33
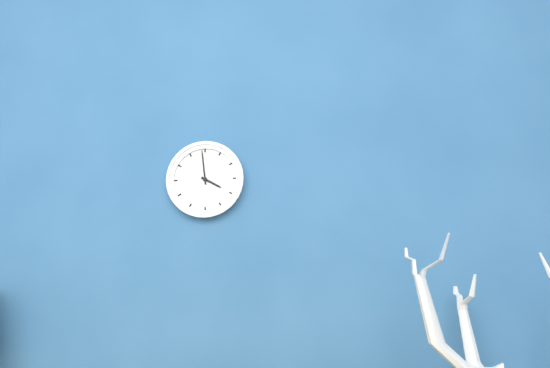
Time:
3.59
